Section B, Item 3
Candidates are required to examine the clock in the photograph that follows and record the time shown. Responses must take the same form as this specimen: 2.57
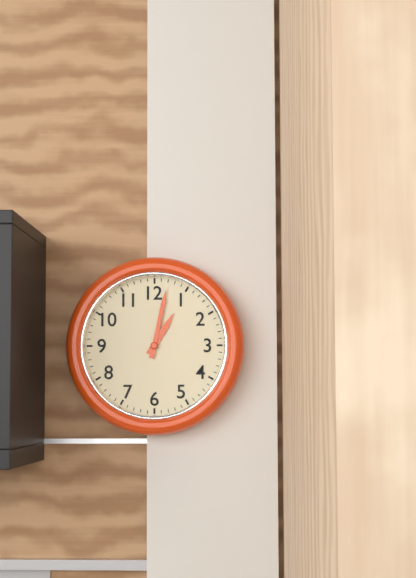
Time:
1.02
